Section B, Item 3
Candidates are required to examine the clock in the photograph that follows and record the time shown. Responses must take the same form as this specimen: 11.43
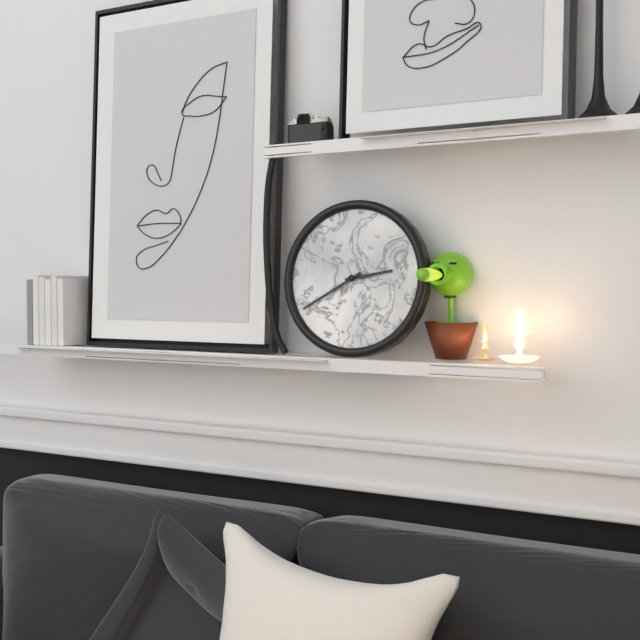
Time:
2.40
